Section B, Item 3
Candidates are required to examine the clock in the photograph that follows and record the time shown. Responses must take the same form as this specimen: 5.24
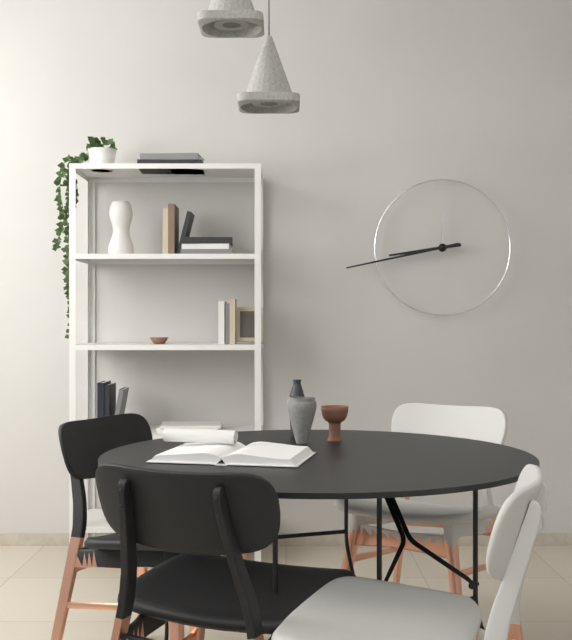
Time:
8.43
